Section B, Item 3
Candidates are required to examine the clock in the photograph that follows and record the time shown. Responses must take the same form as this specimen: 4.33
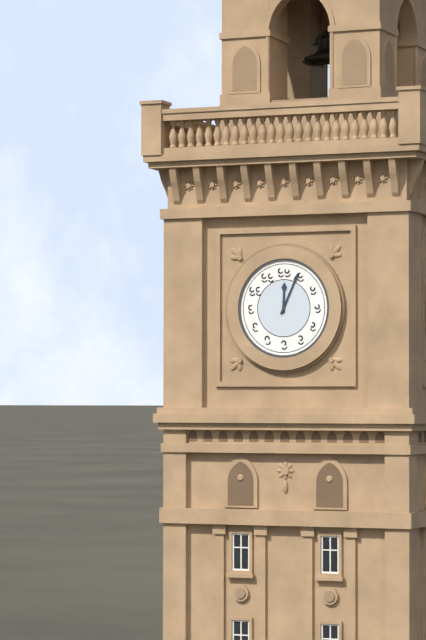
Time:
12.04
